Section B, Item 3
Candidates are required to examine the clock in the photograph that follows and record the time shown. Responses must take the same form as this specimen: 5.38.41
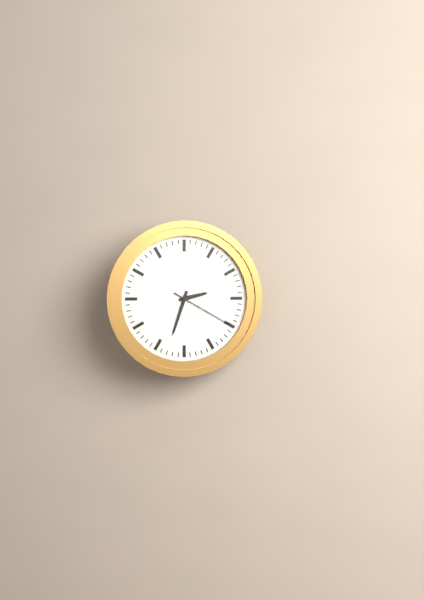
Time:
2.33.20
